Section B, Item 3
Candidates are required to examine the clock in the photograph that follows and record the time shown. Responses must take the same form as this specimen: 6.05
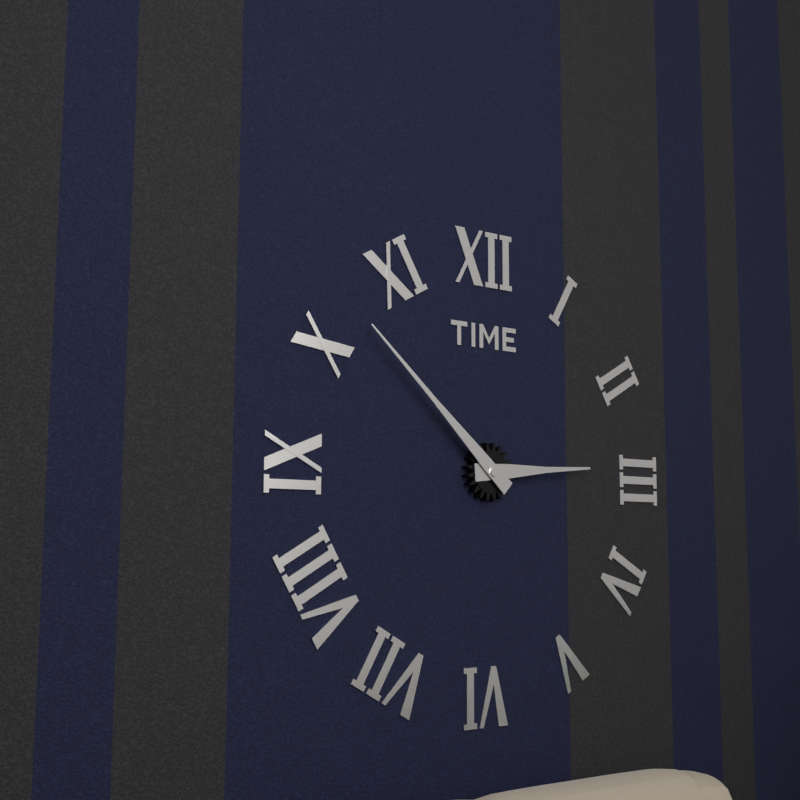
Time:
2.52
